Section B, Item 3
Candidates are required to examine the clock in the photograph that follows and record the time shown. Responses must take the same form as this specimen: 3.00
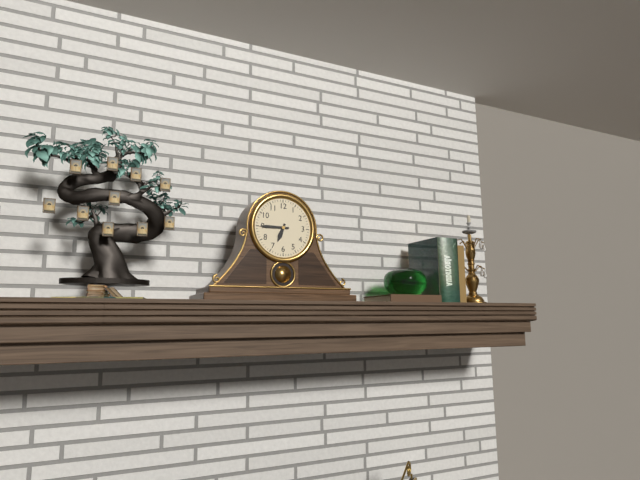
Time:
6.45
